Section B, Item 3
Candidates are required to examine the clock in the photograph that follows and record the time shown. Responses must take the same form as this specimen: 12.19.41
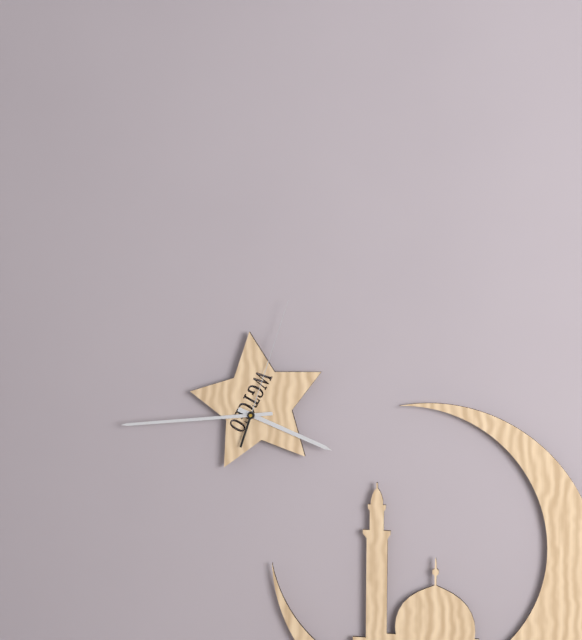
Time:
3.44.03
